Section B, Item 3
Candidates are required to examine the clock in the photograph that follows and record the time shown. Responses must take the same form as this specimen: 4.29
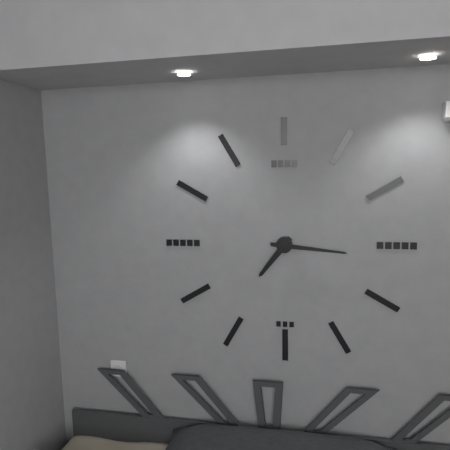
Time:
7.16
